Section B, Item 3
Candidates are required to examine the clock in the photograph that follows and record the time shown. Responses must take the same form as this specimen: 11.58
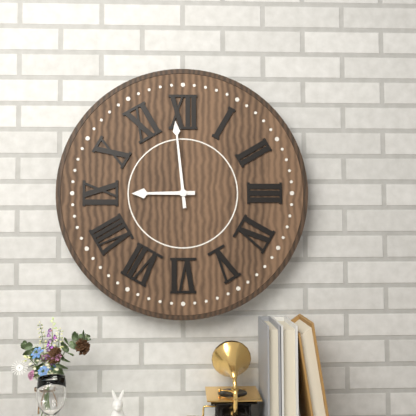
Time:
8.59
